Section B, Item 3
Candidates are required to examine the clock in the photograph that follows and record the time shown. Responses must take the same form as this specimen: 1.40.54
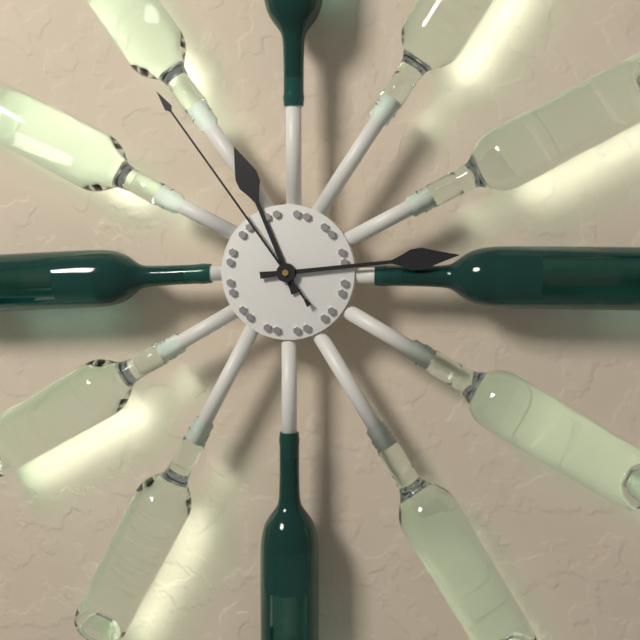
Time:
11.14.54
